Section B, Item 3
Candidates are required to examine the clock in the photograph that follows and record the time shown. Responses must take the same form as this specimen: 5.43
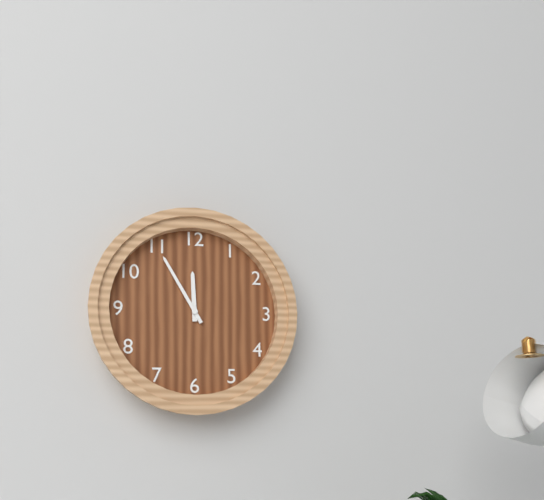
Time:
11.55
